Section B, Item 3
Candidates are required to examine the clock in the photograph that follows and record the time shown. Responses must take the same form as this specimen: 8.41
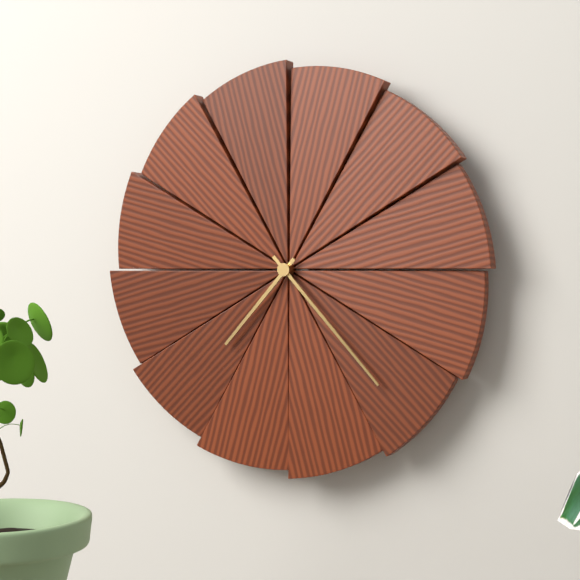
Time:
7.23
